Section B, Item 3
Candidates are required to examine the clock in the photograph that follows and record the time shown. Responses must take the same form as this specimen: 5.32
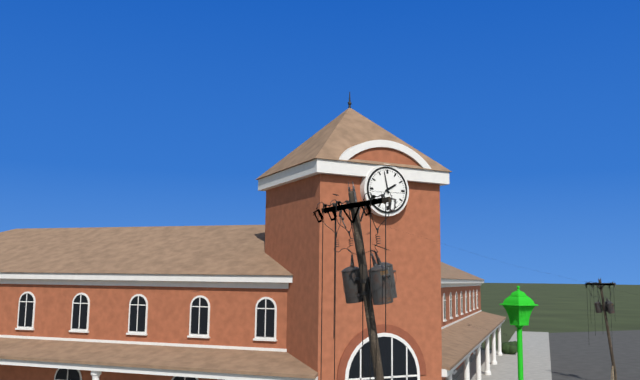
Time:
1.58
